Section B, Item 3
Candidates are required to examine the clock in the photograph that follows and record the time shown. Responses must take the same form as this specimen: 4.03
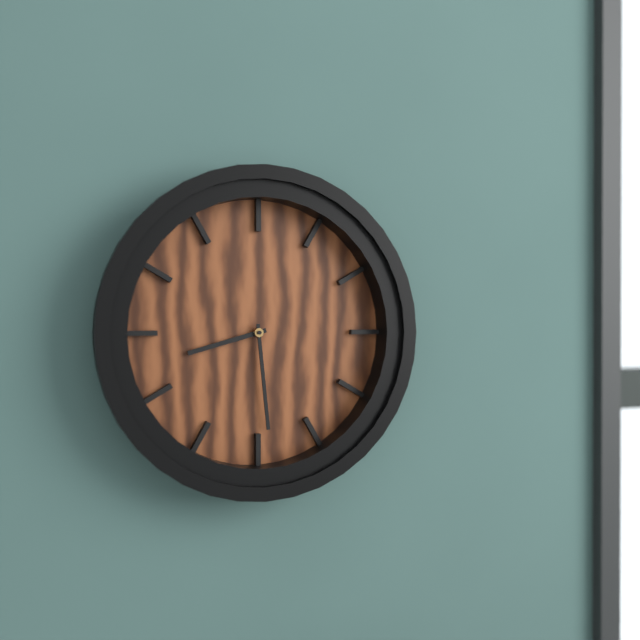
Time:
8.29
